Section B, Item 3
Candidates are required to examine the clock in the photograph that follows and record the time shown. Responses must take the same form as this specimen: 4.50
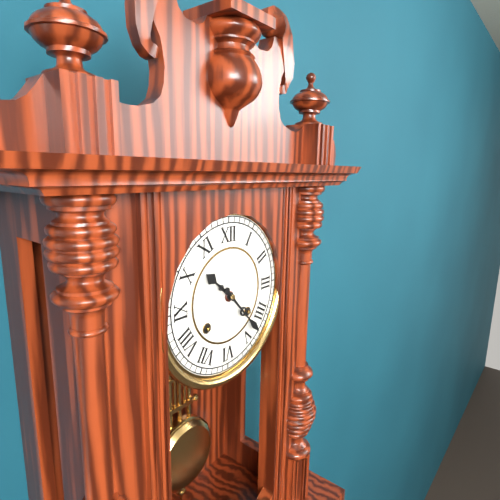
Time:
10.23
